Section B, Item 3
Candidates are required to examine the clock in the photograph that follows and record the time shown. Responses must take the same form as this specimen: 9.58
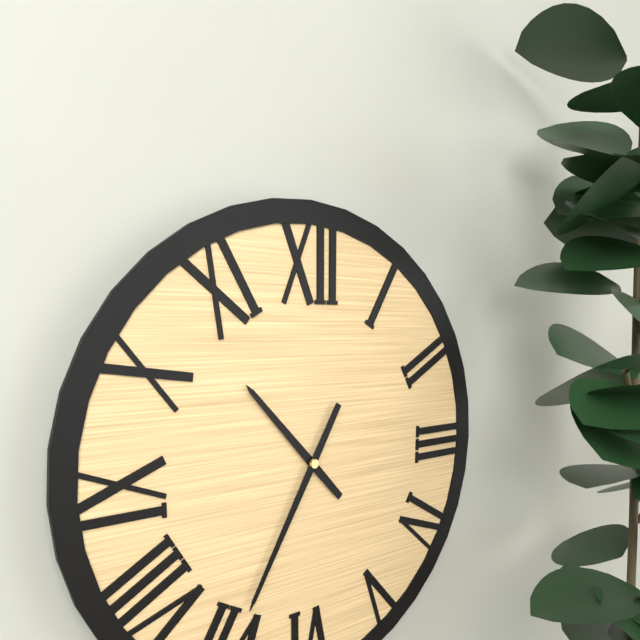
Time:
10.35
